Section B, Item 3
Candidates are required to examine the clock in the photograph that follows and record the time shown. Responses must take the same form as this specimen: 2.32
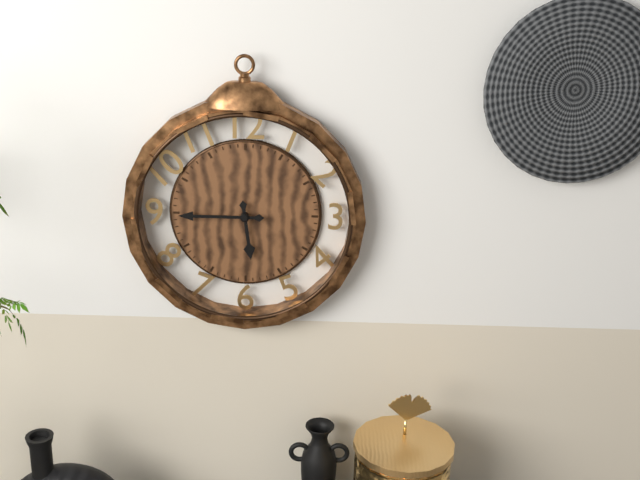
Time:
5.45
